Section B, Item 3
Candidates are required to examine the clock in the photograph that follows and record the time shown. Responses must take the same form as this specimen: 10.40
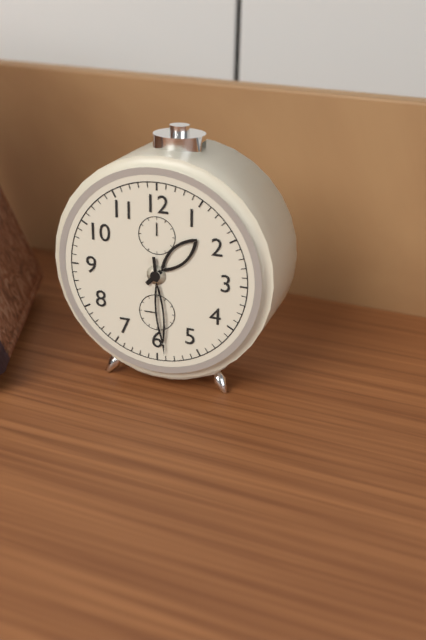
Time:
1.29
